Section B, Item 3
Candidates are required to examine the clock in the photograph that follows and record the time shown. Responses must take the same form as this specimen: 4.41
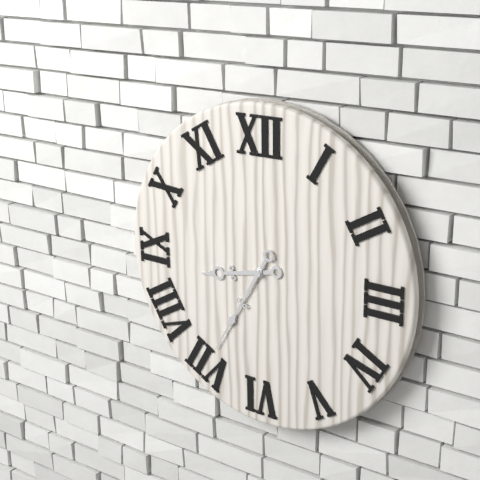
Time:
8.35
